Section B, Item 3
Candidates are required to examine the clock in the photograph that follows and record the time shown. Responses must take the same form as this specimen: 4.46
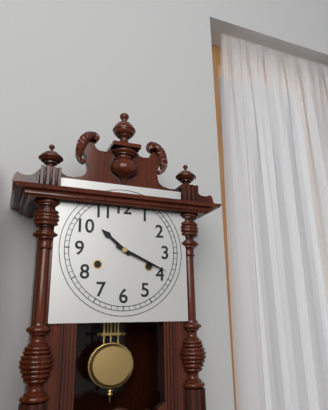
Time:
10.19
